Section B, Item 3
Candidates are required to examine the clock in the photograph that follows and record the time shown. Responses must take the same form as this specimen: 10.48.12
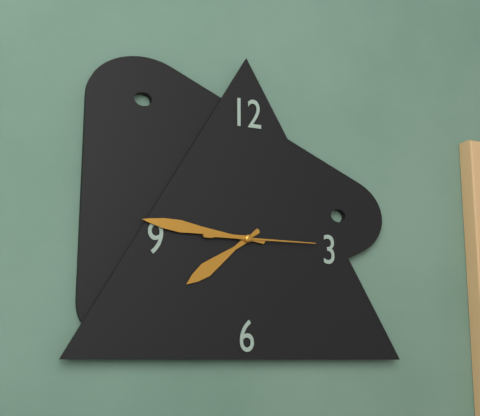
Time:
7.46.15
